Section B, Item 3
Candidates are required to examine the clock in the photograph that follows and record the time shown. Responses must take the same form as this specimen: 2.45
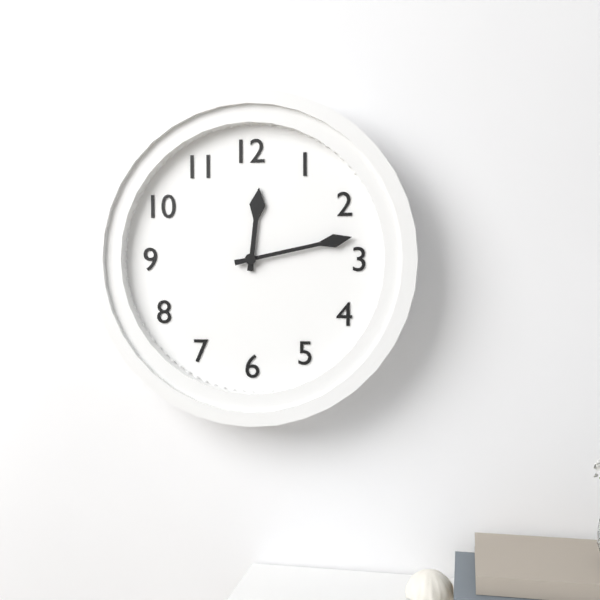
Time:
12.13
